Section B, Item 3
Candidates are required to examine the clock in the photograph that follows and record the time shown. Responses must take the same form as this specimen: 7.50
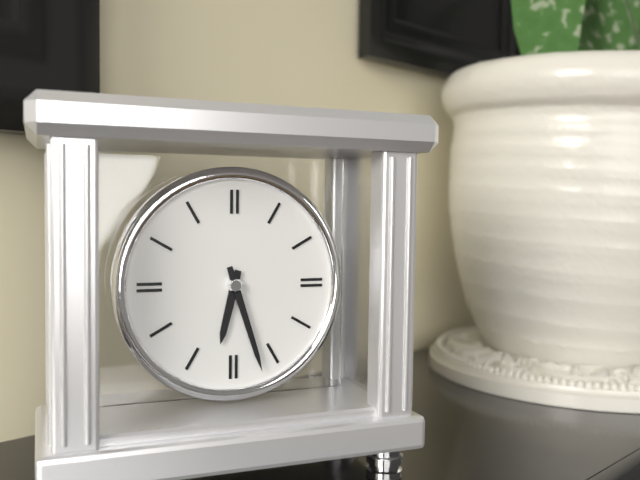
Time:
6.27
